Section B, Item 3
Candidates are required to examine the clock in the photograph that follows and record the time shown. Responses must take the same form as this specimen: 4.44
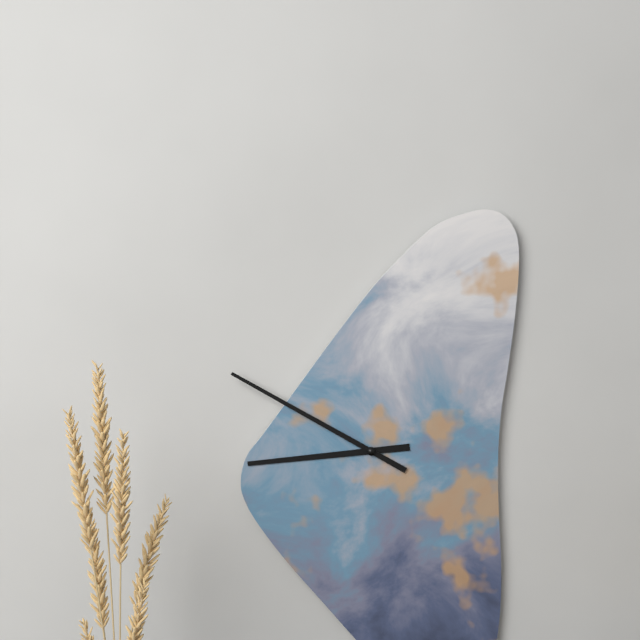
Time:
8.50
